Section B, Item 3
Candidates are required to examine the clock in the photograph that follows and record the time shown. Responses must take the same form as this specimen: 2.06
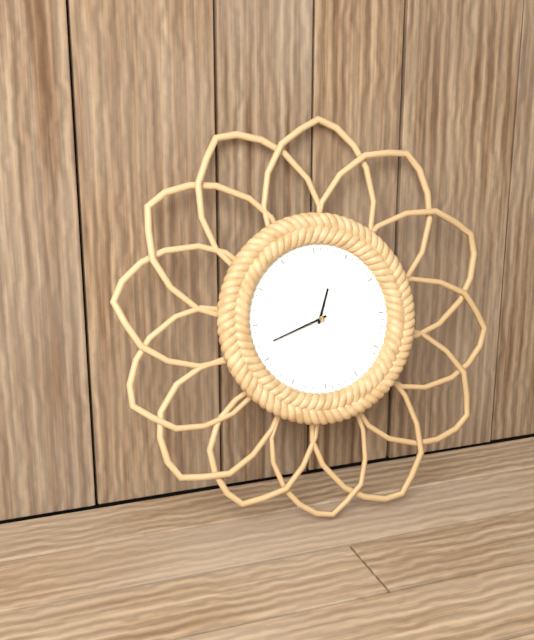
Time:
12.42
